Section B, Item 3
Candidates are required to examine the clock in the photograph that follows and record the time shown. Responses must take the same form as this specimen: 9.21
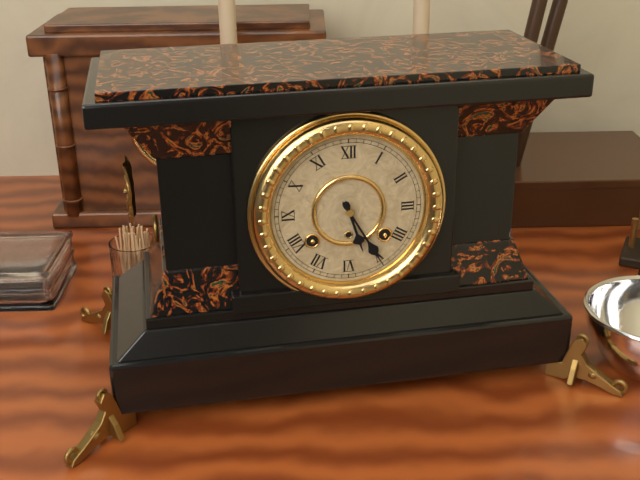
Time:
5.25
